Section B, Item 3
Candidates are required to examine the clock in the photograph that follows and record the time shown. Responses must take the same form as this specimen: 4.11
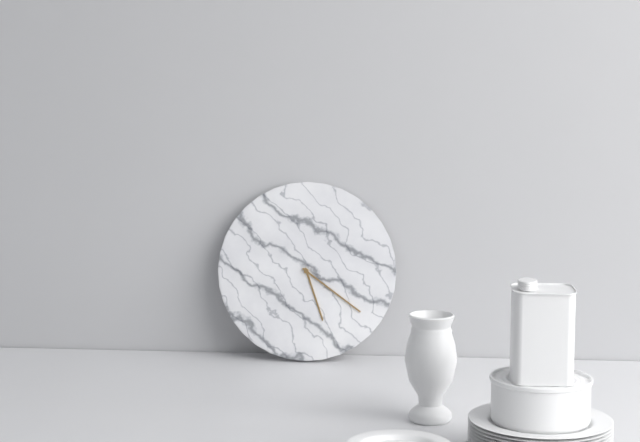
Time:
5.21
